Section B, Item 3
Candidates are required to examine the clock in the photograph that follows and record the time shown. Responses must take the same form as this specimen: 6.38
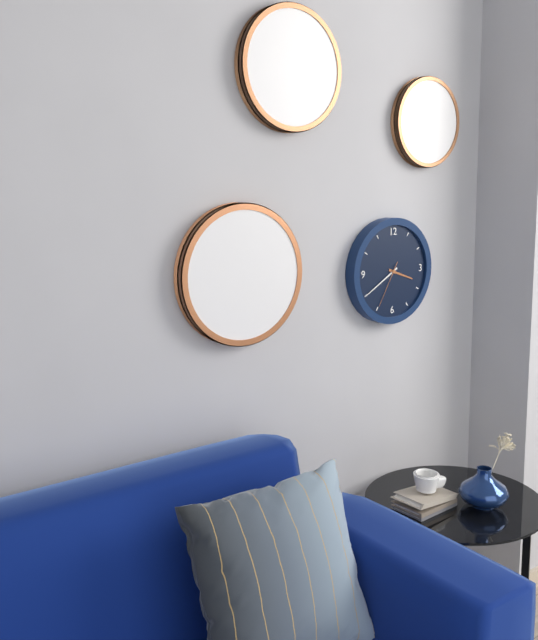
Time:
3.40
